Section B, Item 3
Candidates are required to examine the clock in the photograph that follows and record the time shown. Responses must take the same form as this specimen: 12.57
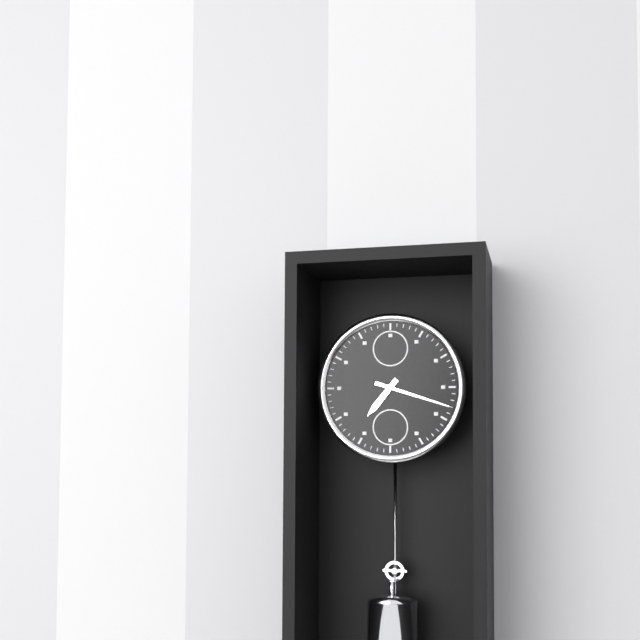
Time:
7.18
